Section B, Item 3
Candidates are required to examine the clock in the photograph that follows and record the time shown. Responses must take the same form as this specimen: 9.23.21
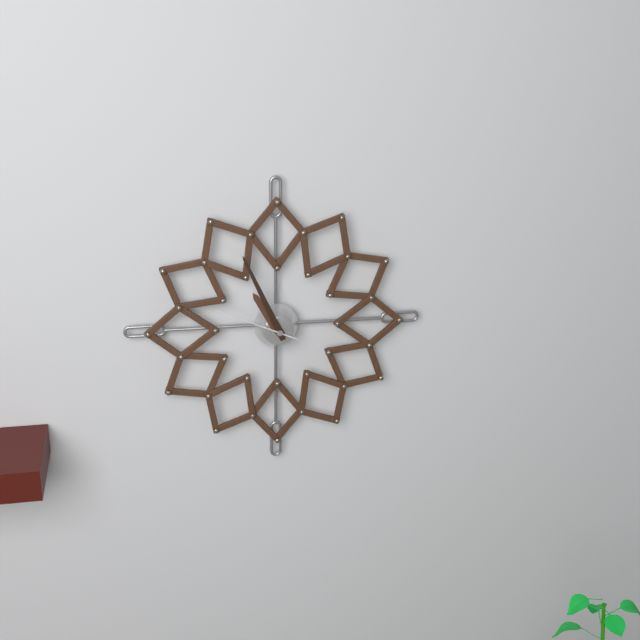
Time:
10.56.49
